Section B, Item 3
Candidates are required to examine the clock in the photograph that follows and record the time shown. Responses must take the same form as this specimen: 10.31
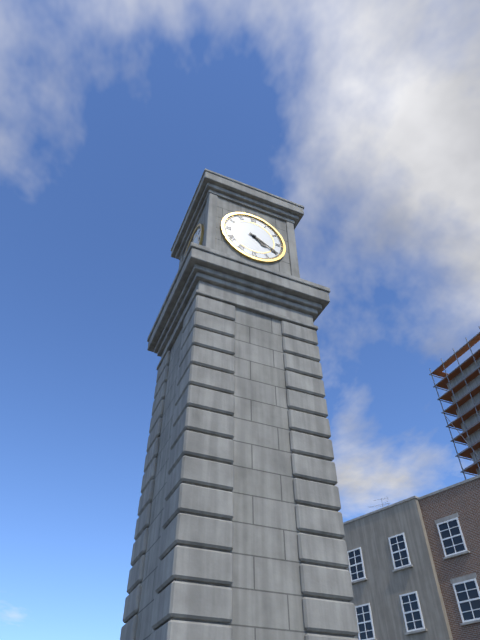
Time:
4.20
